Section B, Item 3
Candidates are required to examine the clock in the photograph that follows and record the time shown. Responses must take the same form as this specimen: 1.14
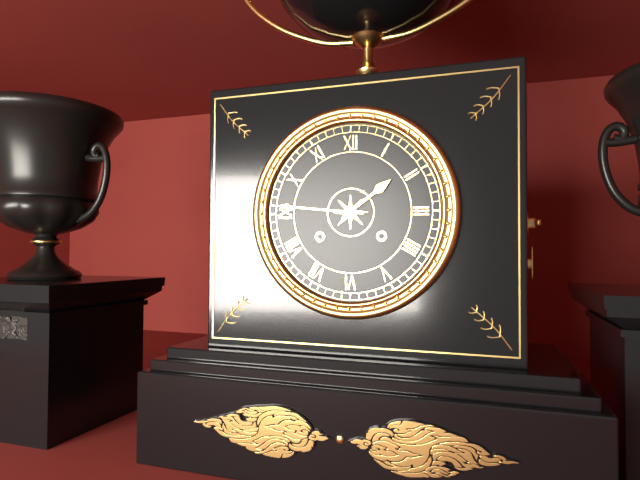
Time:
1.46
